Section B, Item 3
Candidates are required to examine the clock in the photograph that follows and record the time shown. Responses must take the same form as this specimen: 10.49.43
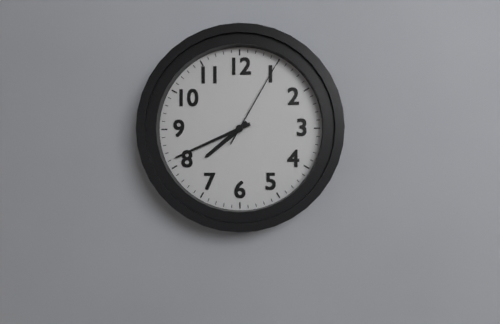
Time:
7.41.05
